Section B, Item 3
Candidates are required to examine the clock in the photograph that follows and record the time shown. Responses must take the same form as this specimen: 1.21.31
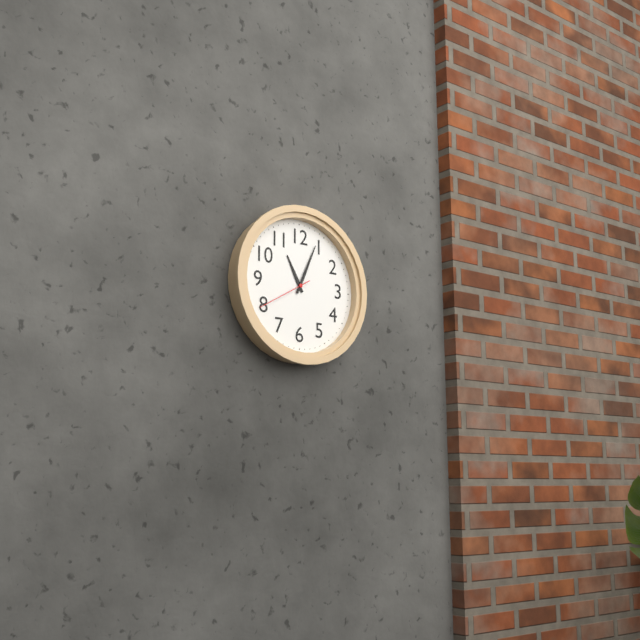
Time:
11.04.40
